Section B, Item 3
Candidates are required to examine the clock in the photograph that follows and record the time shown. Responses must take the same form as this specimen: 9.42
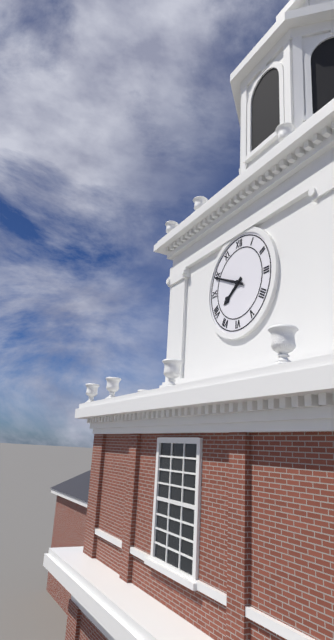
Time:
7.49
